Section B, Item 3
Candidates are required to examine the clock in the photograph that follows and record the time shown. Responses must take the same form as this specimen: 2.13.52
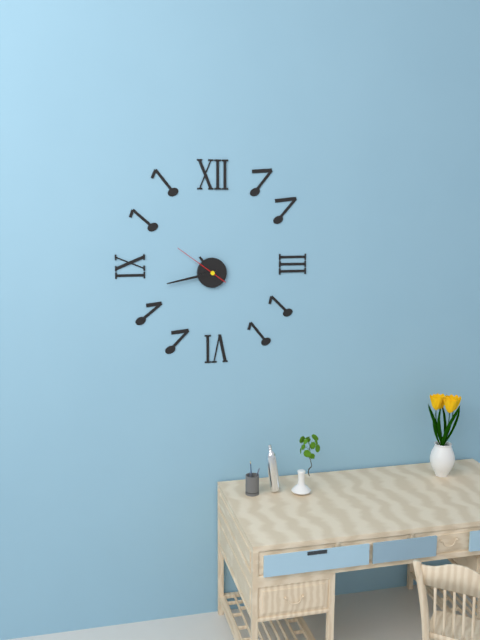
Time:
10.43.51
